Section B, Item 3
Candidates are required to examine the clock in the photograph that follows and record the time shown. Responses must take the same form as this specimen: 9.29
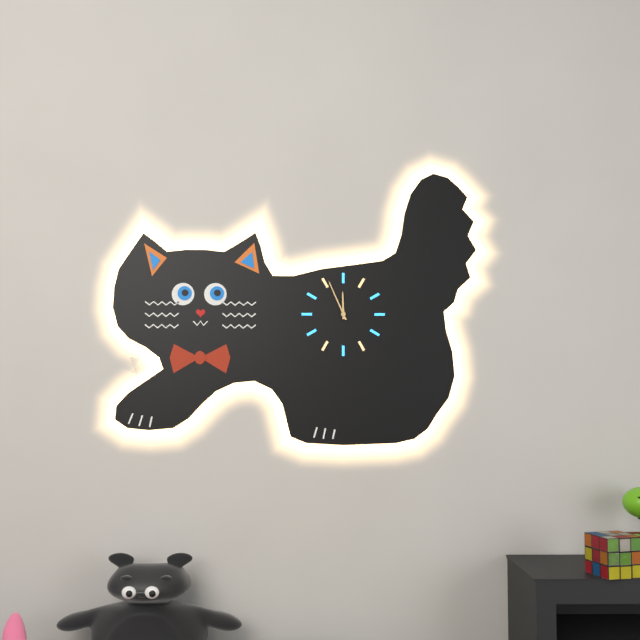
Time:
11.56
